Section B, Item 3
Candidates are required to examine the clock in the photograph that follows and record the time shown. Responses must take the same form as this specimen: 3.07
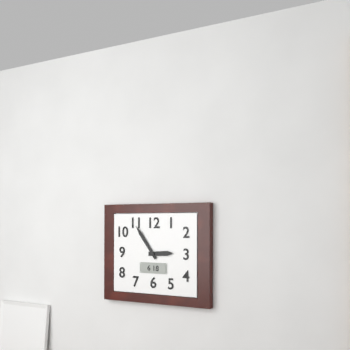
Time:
2.54
